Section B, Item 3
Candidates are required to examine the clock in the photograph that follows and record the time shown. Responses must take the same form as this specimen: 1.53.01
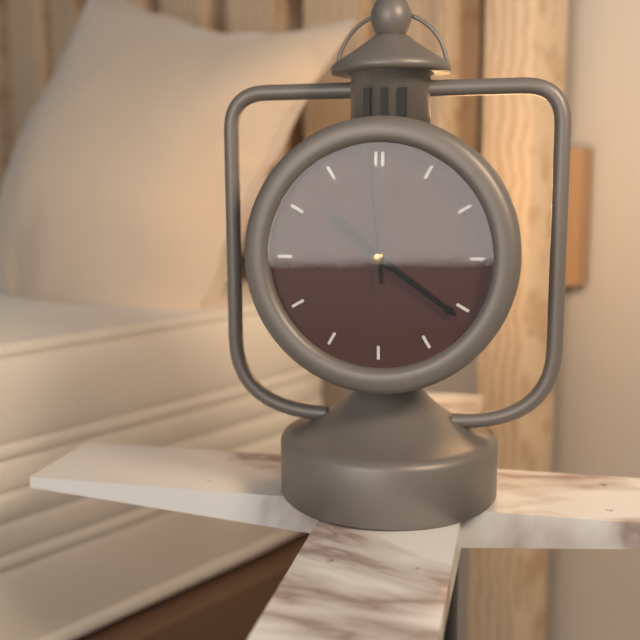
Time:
10.21.59
